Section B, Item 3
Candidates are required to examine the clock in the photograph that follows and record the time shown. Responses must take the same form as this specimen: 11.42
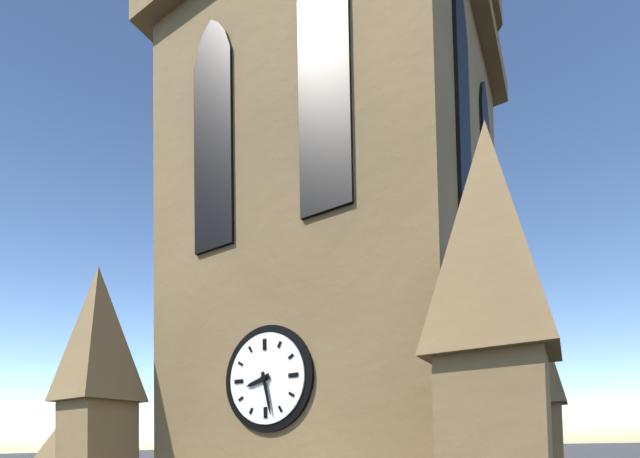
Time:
8.28
